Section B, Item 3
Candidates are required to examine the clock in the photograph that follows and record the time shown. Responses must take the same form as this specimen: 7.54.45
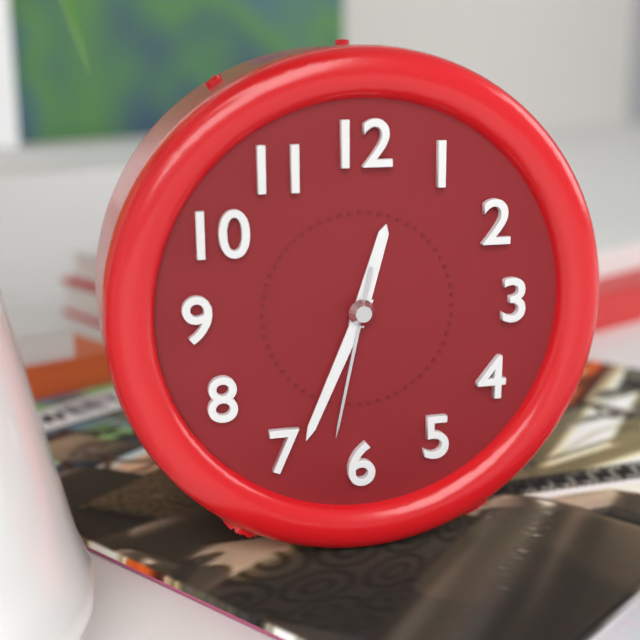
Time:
12.34.32
